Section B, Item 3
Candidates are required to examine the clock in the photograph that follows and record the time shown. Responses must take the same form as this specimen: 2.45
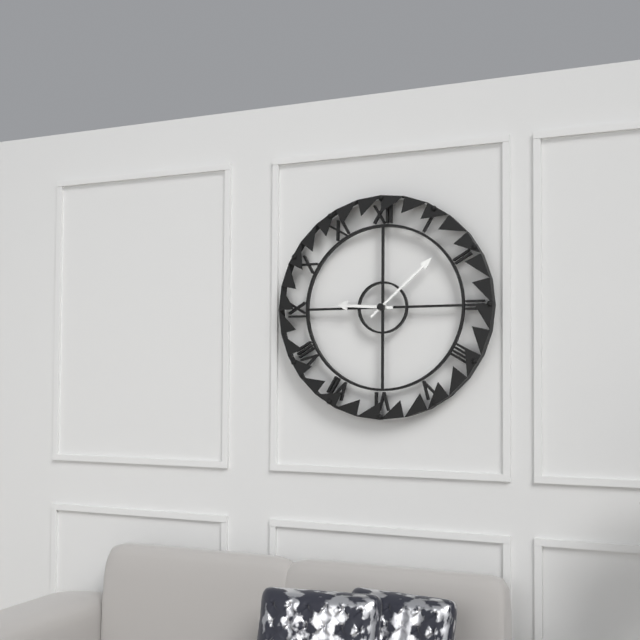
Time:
9.08
